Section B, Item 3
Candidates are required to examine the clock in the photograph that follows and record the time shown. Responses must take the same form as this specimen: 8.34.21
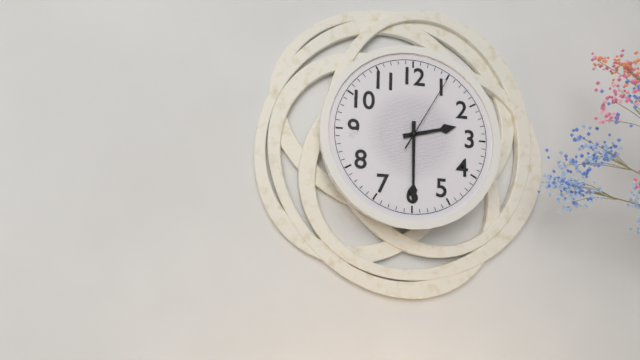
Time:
2.30.05
